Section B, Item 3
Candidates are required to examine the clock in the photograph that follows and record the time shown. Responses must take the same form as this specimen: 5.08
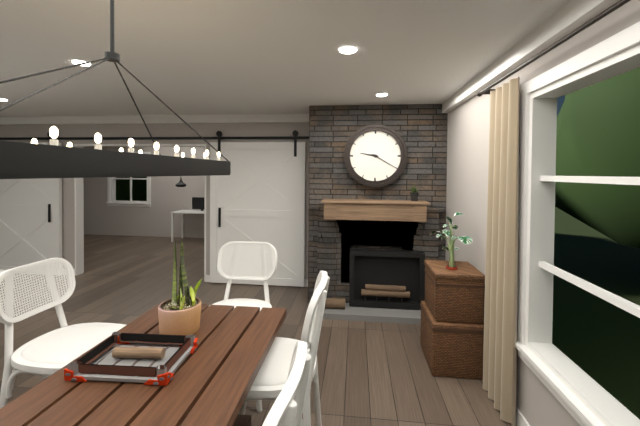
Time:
9.20
